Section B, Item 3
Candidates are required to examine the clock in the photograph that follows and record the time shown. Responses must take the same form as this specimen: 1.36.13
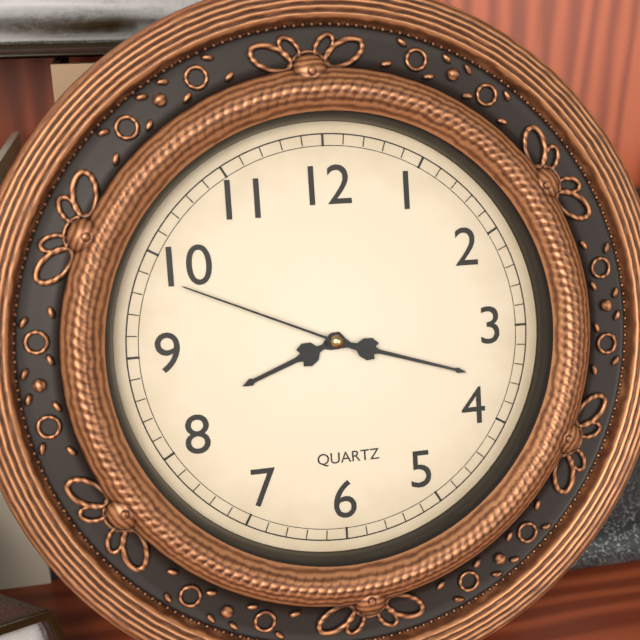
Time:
8.18.49
